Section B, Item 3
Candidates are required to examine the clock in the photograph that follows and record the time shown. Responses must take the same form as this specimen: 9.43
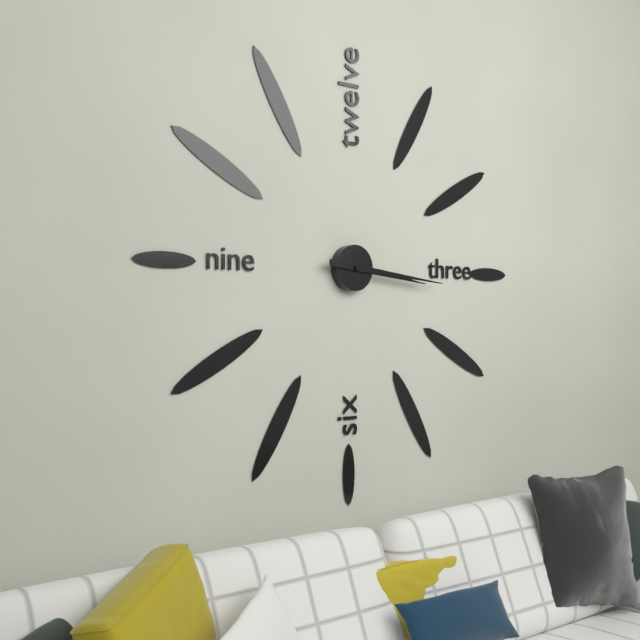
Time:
3.16
